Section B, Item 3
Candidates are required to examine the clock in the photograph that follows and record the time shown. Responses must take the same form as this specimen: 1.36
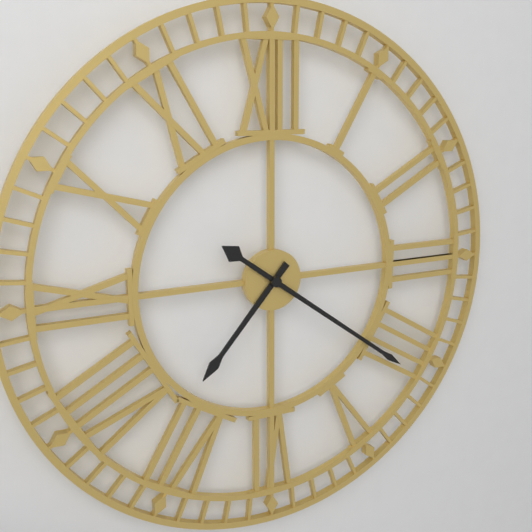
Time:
7.21
